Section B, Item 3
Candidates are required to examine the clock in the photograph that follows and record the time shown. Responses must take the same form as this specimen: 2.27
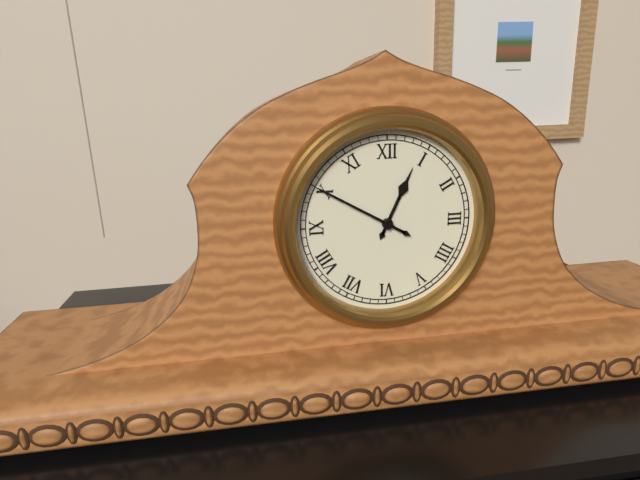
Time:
12.50
